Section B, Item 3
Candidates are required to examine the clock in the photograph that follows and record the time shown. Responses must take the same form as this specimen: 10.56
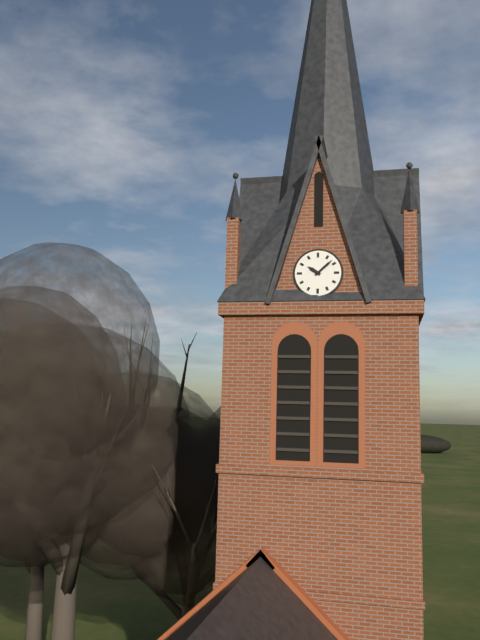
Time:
10.08
